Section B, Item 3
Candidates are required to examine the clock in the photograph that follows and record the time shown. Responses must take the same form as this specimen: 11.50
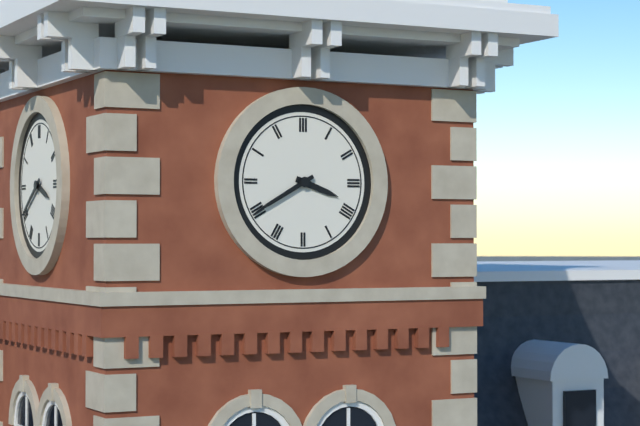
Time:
3.40
